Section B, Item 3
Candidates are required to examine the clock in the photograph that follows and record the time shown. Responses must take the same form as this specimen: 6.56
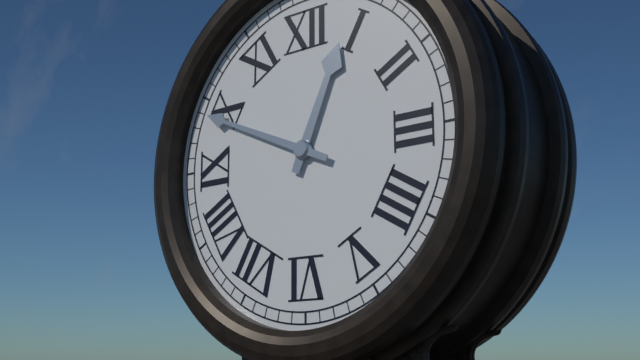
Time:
12.49
